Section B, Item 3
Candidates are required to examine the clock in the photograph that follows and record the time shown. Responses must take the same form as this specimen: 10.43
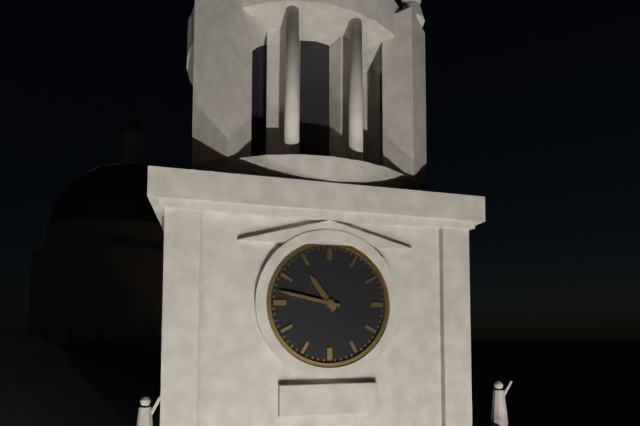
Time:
10.47
